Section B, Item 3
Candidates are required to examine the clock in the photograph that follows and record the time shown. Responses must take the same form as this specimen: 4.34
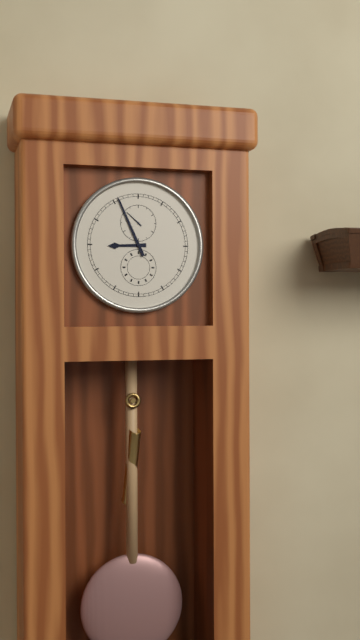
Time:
8.56
